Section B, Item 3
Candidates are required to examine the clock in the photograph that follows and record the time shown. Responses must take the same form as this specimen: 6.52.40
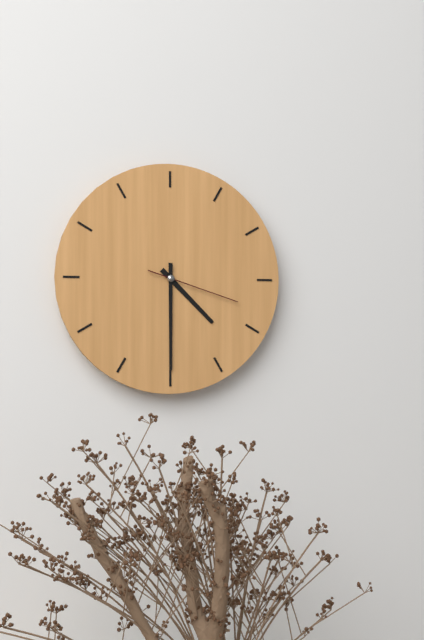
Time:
4.30.18
